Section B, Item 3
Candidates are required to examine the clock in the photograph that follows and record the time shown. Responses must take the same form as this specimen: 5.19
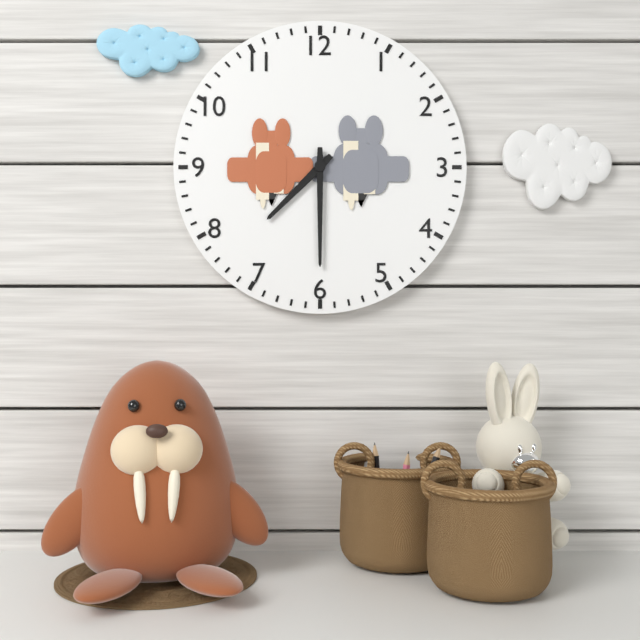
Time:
7.30
